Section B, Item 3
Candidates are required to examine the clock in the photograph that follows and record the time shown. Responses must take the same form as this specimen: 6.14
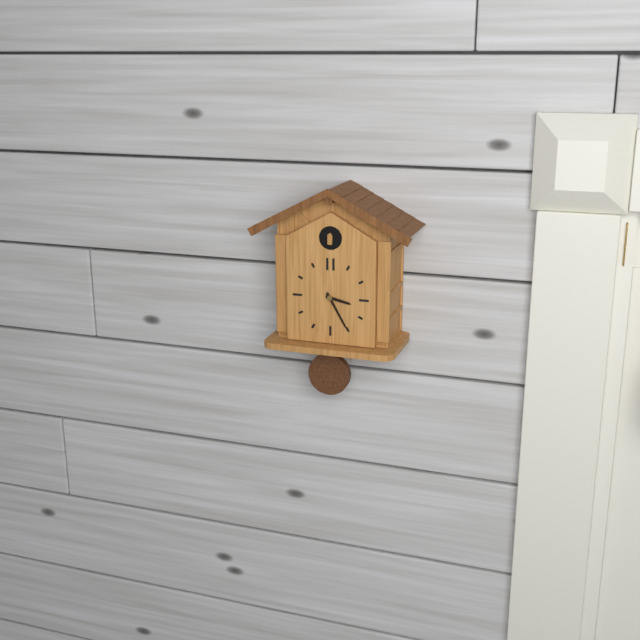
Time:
3.25
